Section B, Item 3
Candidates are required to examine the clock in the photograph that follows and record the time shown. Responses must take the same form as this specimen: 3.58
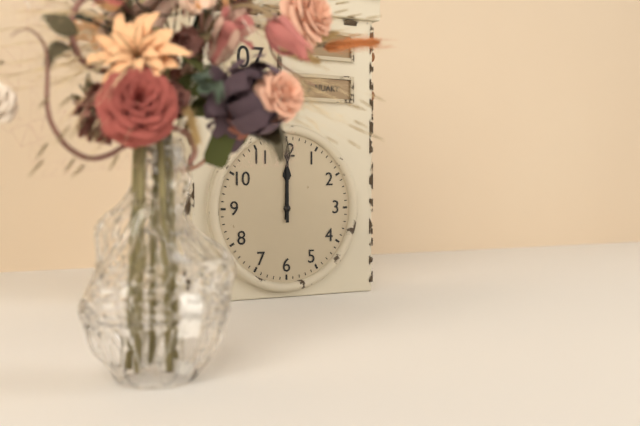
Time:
12.00
